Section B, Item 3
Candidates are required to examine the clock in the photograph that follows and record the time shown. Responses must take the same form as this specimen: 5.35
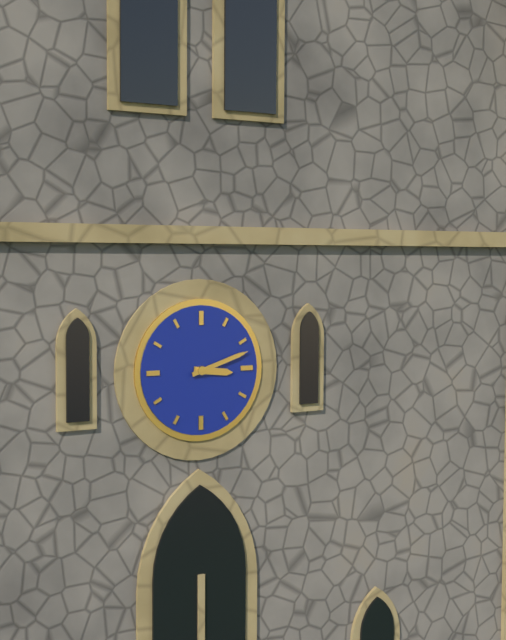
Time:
3.12
